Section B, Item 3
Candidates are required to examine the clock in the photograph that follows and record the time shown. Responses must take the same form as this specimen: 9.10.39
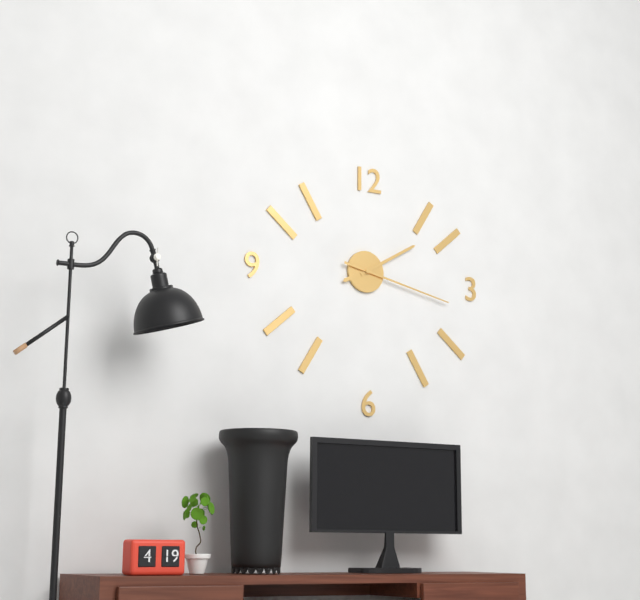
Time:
8.10.17
